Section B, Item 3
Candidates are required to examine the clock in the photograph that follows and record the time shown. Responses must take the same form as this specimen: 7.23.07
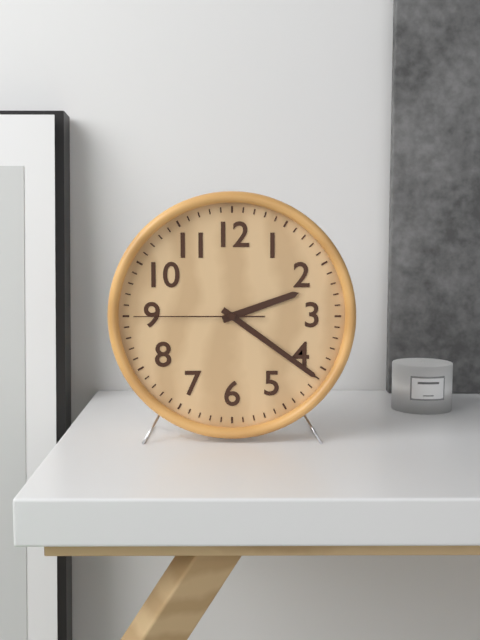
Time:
2.21.45
